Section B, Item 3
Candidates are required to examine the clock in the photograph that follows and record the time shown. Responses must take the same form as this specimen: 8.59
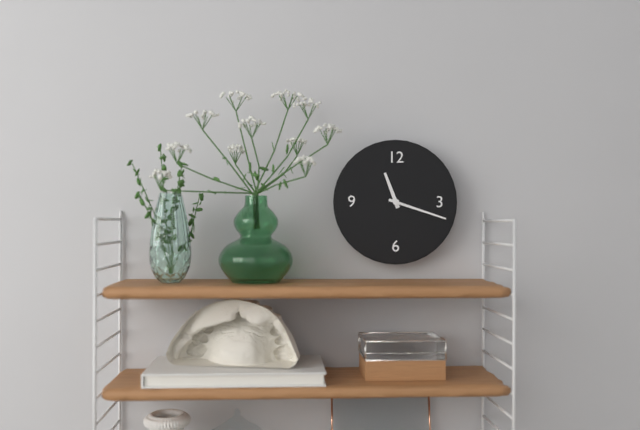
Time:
11.18
